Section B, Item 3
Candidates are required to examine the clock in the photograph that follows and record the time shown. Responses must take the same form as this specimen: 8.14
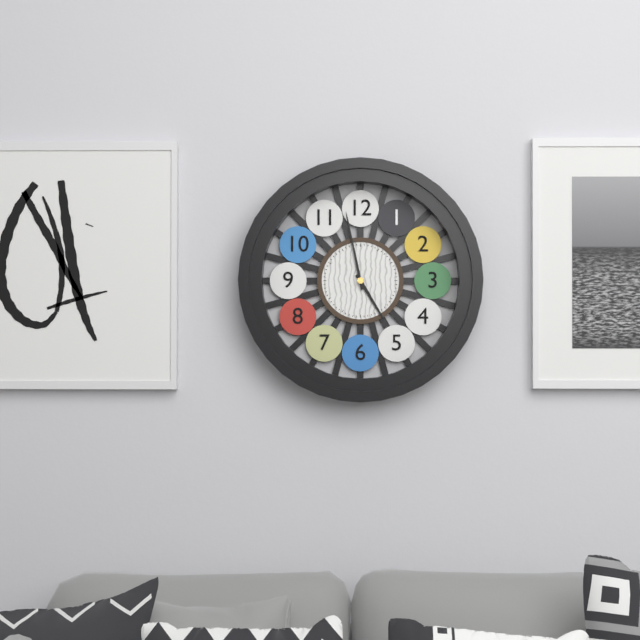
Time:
4.58
